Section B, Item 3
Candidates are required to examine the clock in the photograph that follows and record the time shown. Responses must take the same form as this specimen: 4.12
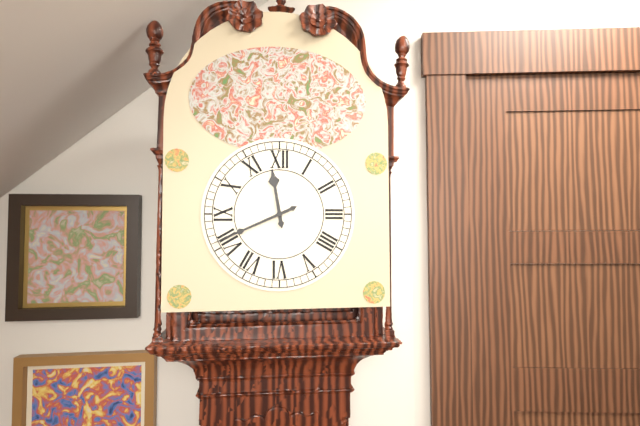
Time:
11.41
